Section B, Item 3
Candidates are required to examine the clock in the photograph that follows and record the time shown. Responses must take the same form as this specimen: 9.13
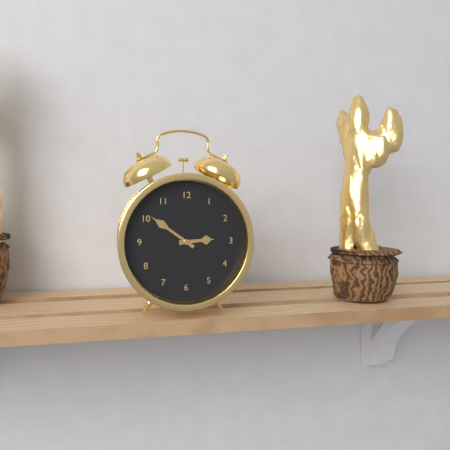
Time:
2.51
